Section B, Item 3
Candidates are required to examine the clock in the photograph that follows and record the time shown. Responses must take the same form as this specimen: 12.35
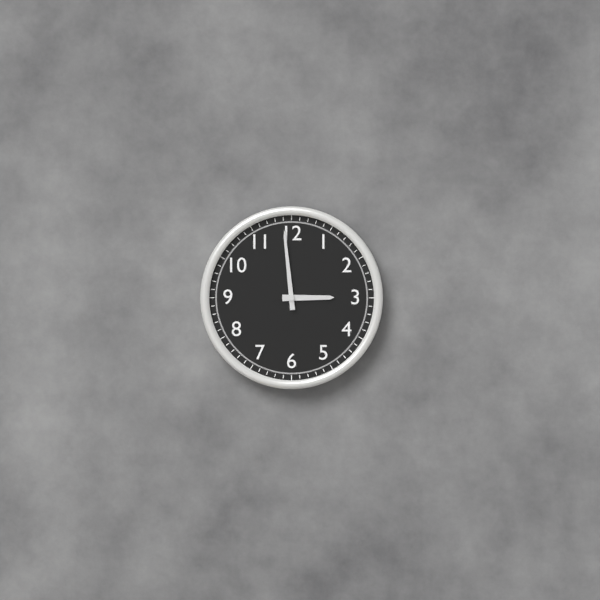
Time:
2.59
